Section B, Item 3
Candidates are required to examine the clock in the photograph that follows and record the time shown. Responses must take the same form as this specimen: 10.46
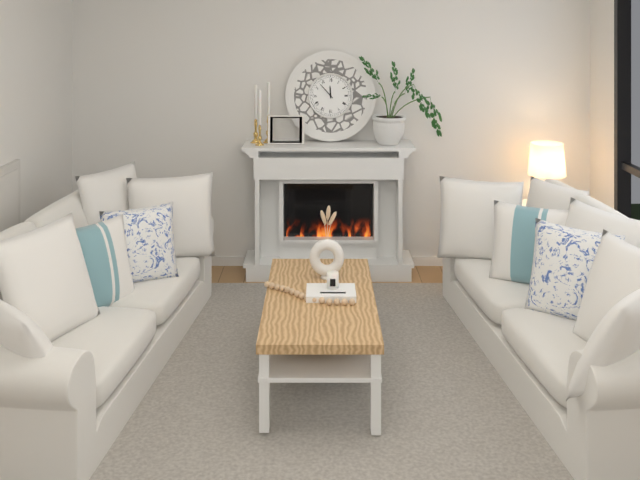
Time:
11.53
